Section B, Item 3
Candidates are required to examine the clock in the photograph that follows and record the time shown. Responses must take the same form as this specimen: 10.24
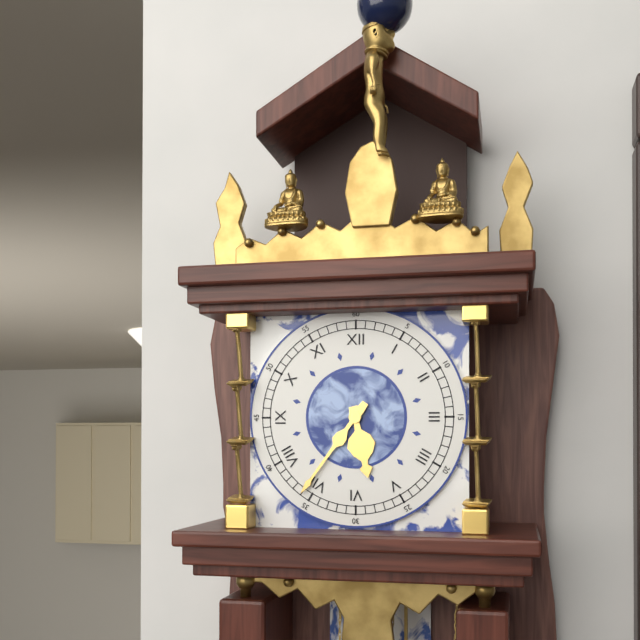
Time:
5.36
